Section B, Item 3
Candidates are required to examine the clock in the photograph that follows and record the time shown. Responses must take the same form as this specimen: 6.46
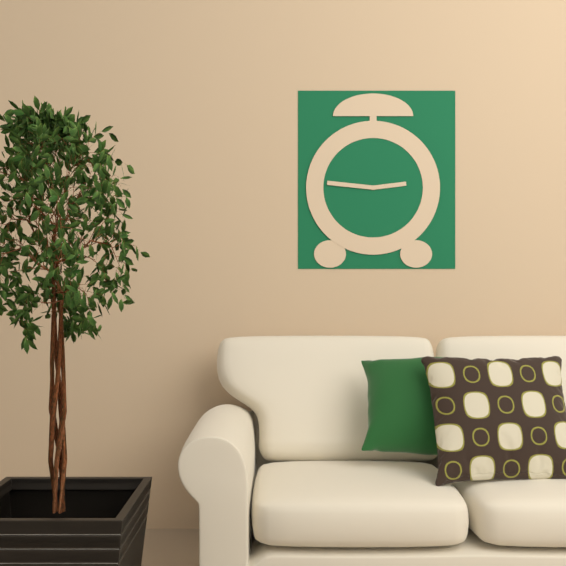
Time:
2.46
